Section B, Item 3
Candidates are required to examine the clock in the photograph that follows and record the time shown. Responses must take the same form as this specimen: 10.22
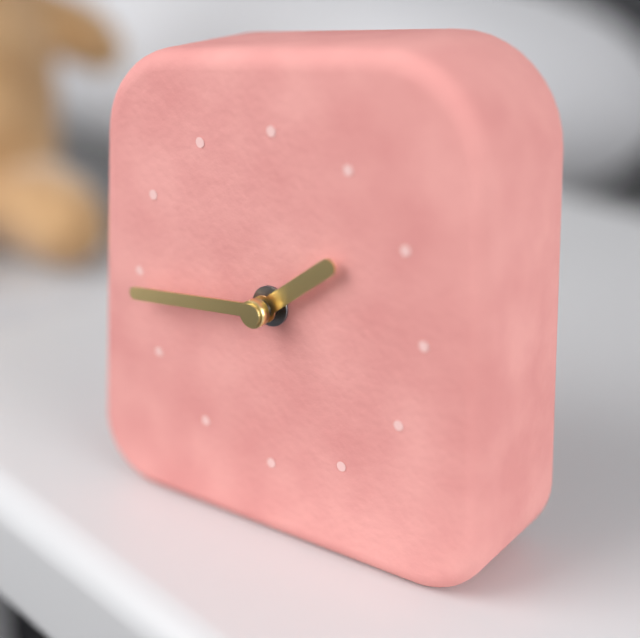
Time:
1.44
